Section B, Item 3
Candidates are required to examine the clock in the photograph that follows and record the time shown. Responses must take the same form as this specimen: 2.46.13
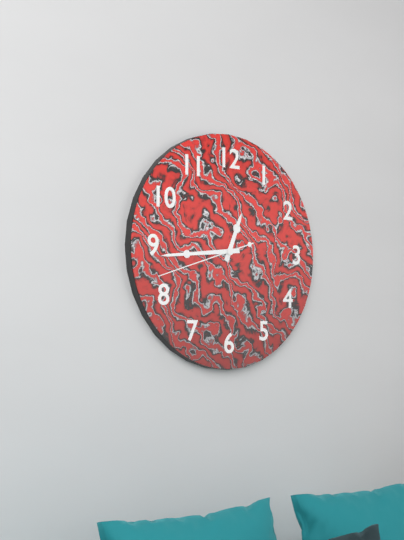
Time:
12.44.42
